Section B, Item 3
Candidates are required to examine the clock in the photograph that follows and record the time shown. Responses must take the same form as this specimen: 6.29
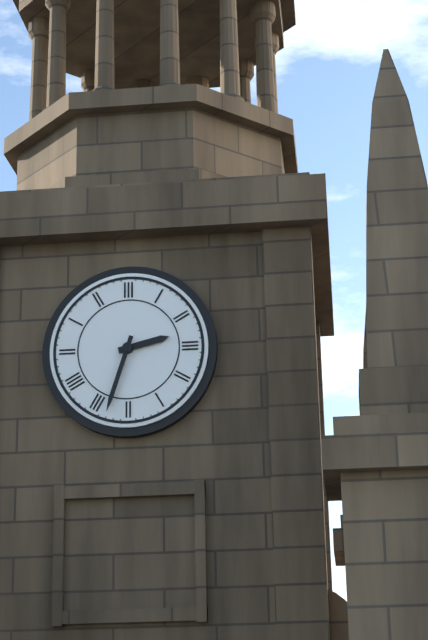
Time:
2.33
